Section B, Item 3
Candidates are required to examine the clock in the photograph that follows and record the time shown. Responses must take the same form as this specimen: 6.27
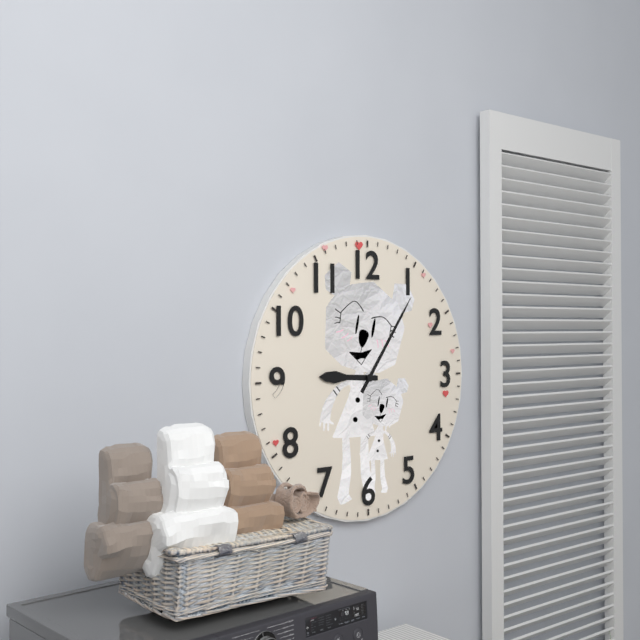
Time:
9.06
